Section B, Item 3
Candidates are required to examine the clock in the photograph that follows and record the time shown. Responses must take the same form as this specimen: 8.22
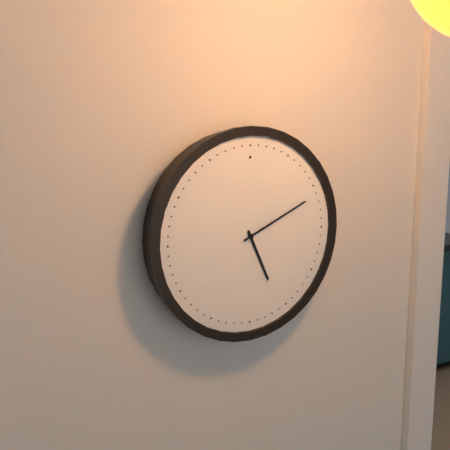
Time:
5.11
